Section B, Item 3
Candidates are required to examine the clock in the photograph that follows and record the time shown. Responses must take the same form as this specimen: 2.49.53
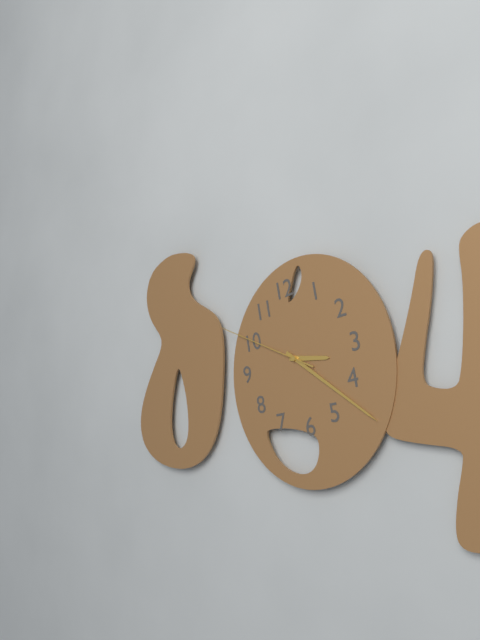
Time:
3.22.50
